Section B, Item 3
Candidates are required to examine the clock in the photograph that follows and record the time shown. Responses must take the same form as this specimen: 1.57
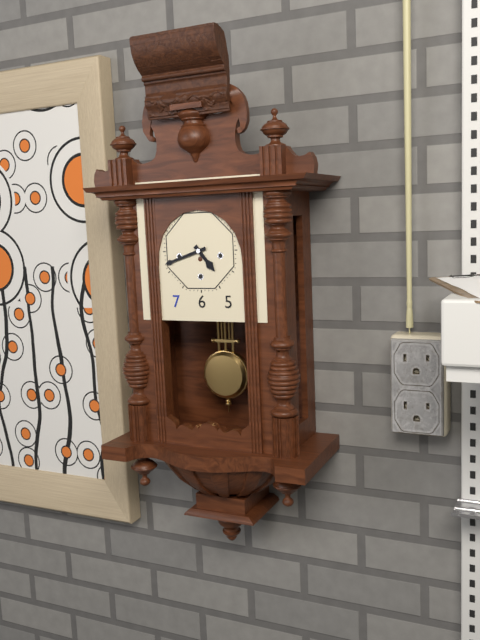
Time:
4.42
